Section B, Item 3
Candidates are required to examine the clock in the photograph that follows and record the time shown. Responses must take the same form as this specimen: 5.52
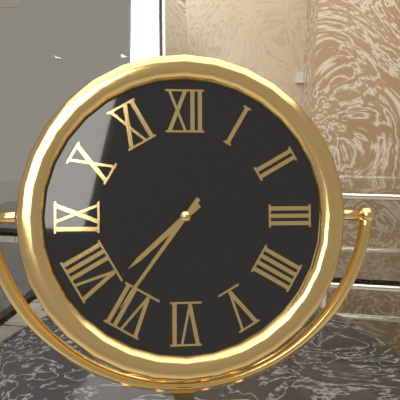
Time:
7.36
